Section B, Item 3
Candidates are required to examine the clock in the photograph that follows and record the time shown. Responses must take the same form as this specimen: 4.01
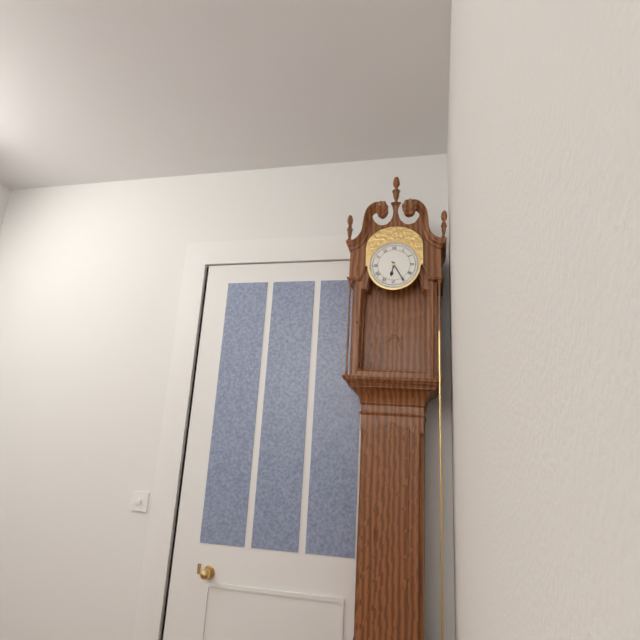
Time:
6.25
